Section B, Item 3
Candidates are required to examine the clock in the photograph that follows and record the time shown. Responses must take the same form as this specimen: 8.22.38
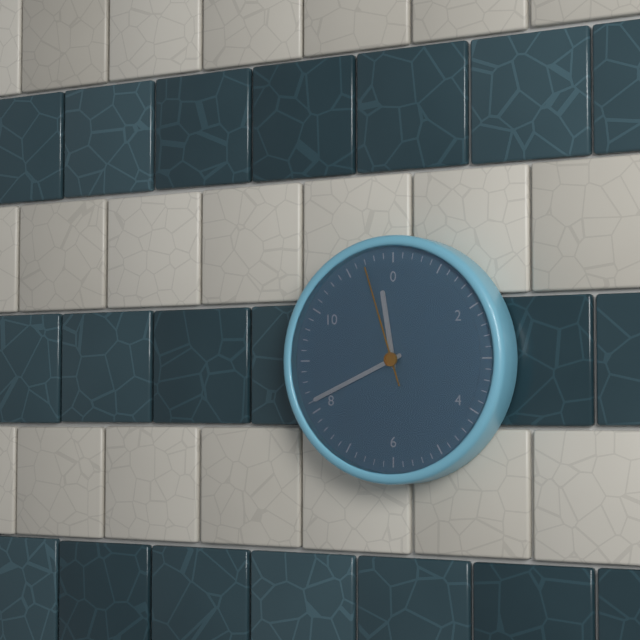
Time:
11.41.57
